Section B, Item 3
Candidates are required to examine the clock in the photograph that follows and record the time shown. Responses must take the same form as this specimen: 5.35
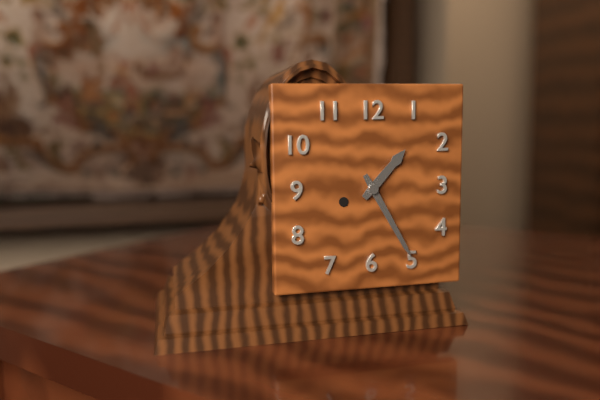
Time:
1.25
